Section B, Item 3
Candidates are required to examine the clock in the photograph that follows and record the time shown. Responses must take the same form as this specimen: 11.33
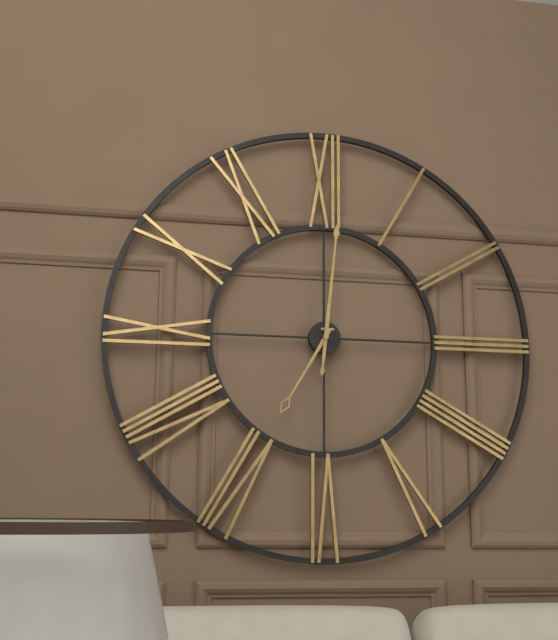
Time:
7.01
